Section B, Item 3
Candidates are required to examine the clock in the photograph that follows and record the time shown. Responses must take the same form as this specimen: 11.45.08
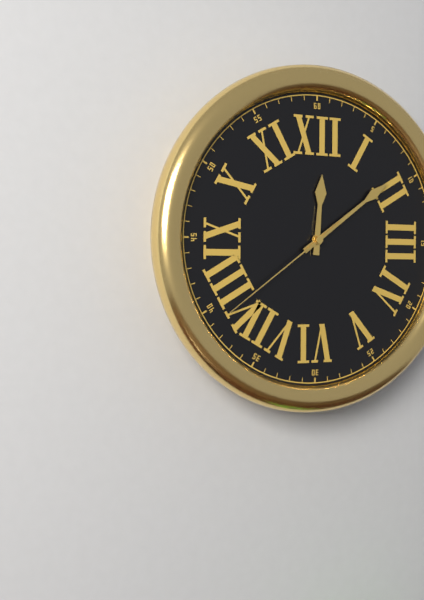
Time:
12.09.39
